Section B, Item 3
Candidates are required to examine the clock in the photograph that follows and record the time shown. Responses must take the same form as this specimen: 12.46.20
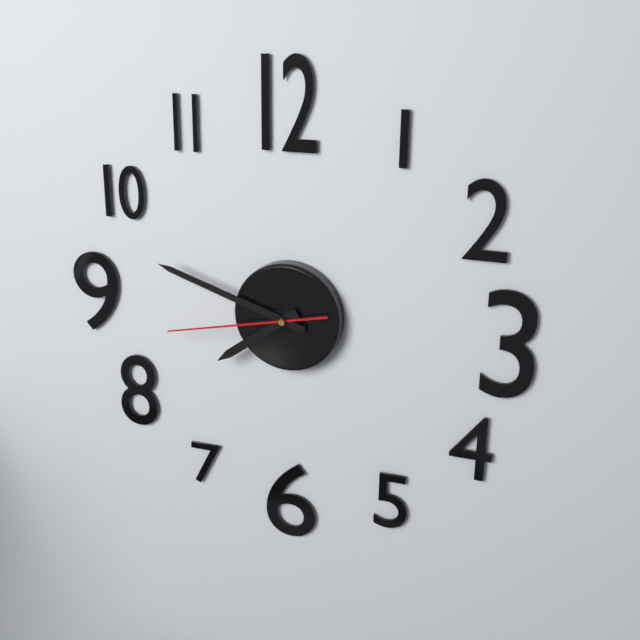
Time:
7.48.43
